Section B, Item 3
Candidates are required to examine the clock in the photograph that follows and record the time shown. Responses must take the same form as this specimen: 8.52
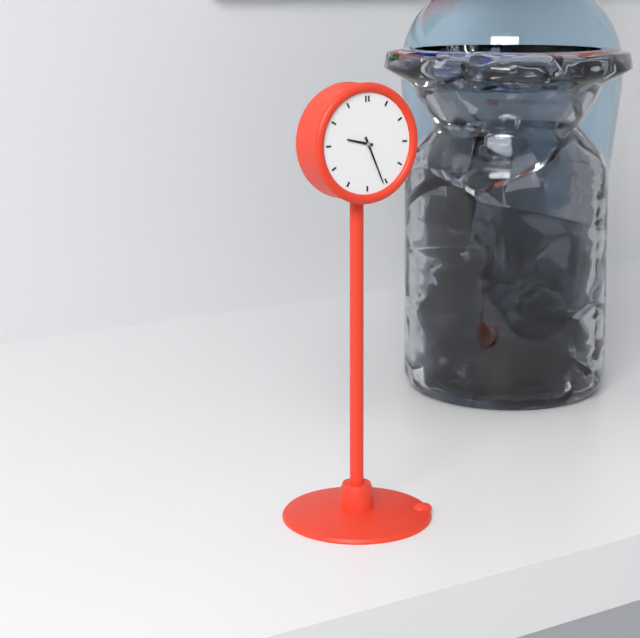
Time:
9.26
